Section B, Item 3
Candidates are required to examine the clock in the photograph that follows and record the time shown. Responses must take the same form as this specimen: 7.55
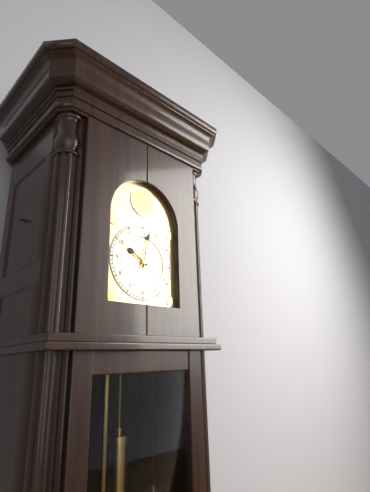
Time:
10.02
